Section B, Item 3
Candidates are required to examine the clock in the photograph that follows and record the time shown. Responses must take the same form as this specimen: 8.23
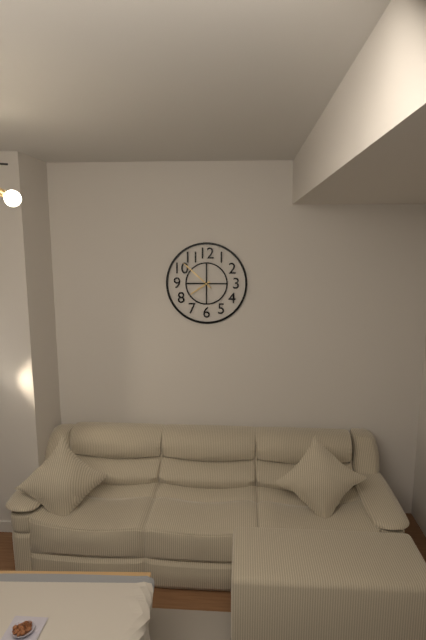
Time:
7.52
